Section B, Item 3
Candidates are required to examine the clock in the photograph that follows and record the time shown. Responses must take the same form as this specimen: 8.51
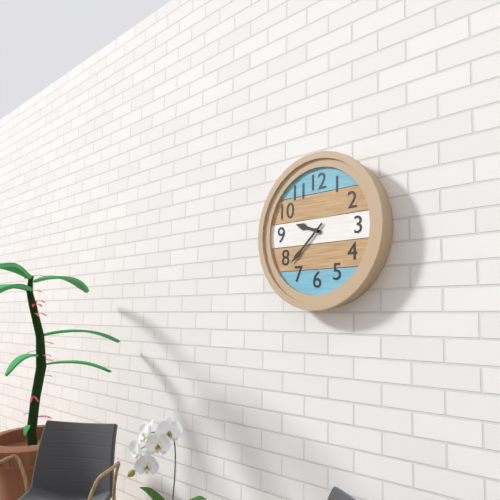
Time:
9.38
